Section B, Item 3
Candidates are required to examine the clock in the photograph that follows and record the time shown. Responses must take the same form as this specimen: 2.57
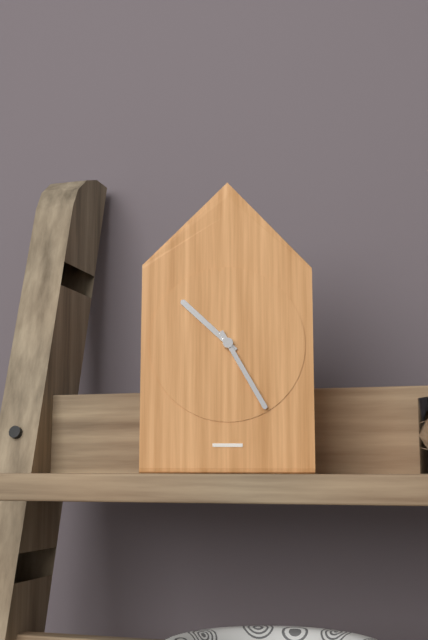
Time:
10.25
